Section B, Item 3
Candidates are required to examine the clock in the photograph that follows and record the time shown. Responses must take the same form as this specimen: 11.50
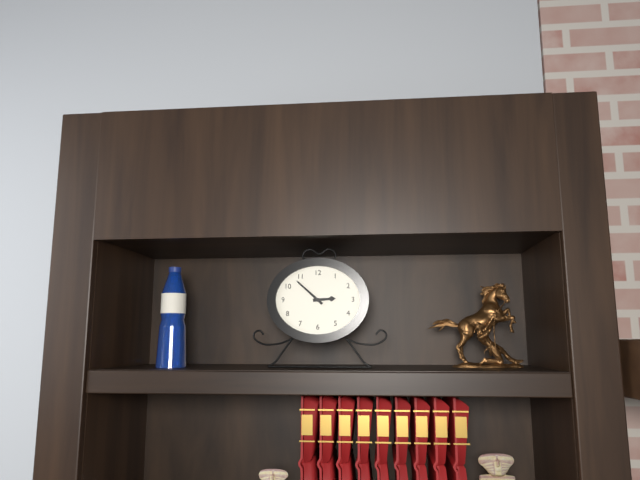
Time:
2.52
